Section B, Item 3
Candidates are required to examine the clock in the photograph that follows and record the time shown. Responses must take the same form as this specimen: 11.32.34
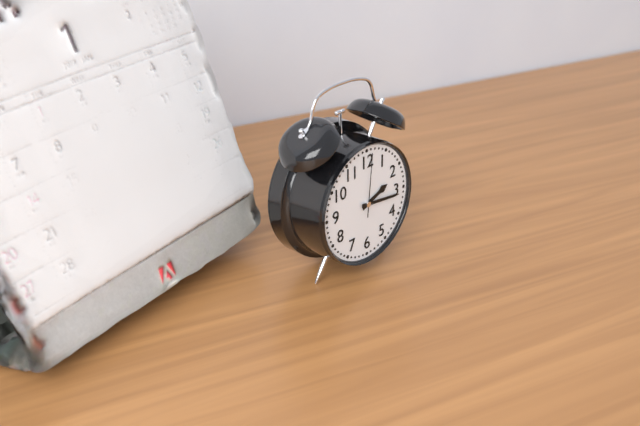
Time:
2.16.01
